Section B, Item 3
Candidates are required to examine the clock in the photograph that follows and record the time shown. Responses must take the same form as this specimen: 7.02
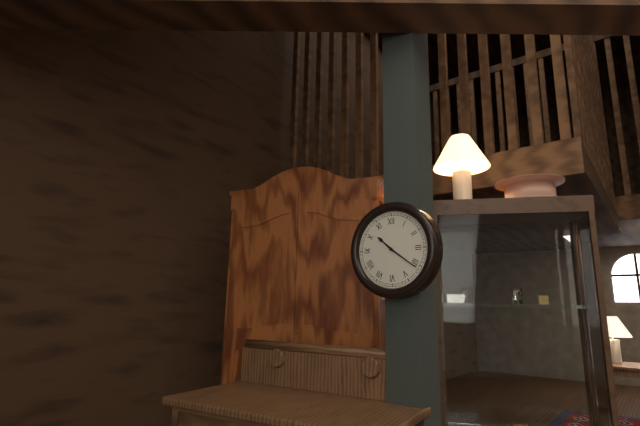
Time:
10.21
